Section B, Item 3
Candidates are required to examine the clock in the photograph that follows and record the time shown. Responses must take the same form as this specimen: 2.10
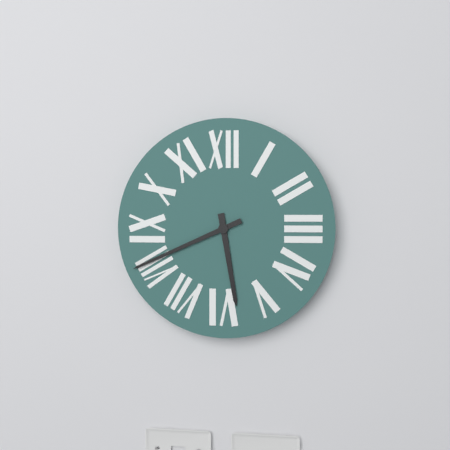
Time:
5.41
